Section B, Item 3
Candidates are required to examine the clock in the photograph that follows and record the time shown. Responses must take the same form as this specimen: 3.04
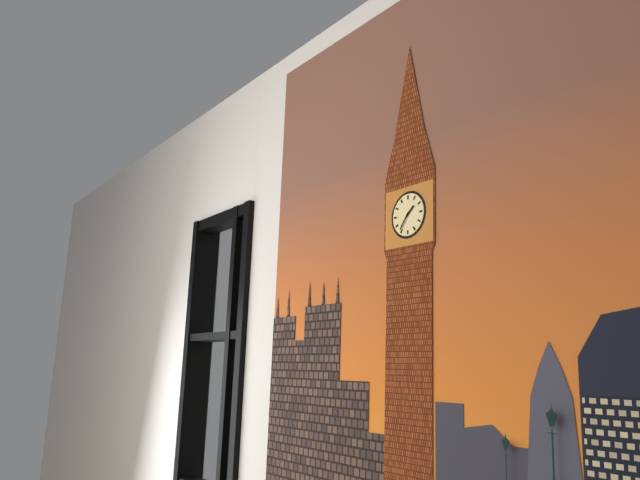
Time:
1.36
